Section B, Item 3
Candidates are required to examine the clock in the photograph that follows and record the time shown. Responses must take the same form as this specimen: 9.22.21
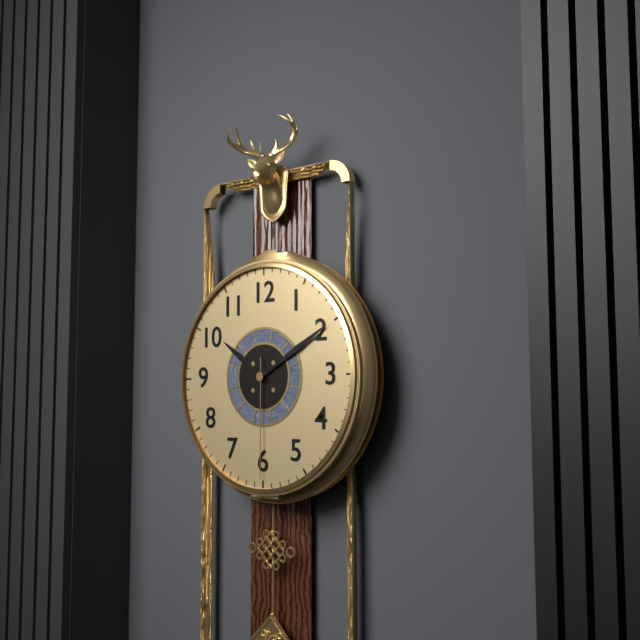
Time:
10.10.30
